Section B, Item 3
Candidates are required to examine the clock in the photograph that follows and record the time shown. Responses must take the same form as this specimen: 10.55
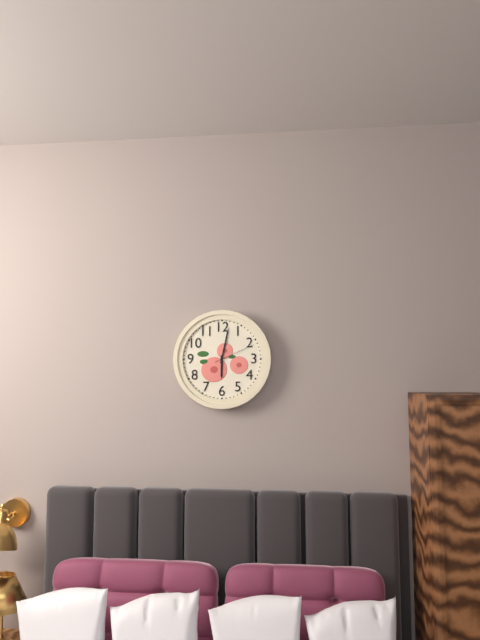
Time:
6.02
